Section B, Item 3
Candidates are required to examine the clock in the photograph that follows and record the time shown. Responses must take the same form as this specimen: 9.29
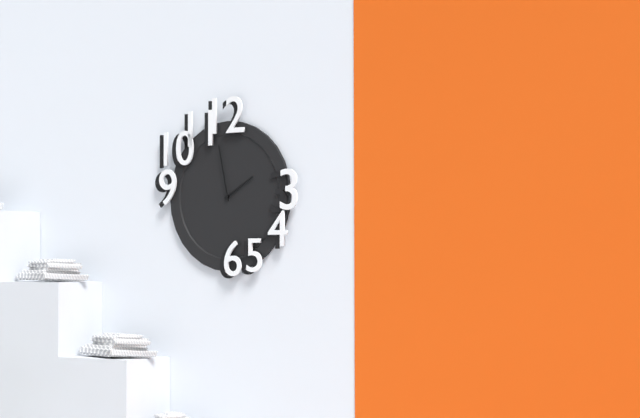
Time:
1.58
